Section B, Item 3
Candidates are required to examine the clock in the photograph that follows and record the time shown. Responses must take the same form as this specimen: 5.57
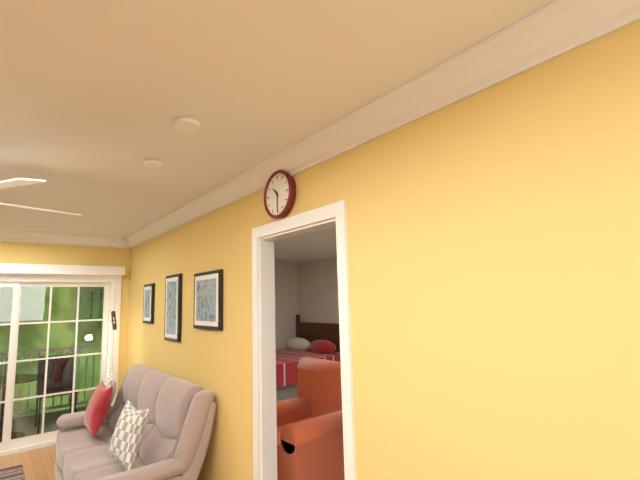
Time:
10.30
